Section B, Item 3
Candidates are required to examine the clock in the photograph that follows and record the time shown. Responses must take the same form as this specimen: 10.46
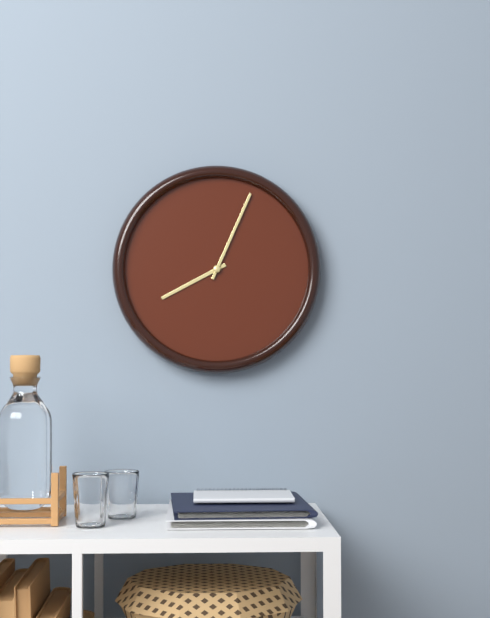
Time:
8.04
